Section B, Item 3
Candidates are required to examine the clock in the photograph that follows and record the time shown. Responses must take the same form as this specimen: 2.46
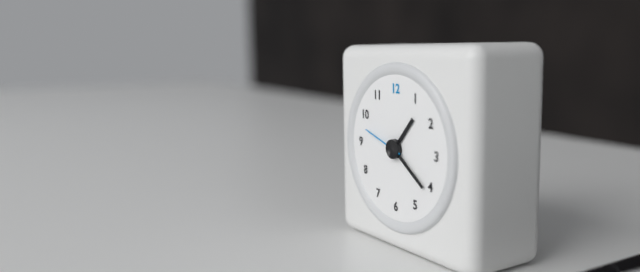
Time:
1.21
